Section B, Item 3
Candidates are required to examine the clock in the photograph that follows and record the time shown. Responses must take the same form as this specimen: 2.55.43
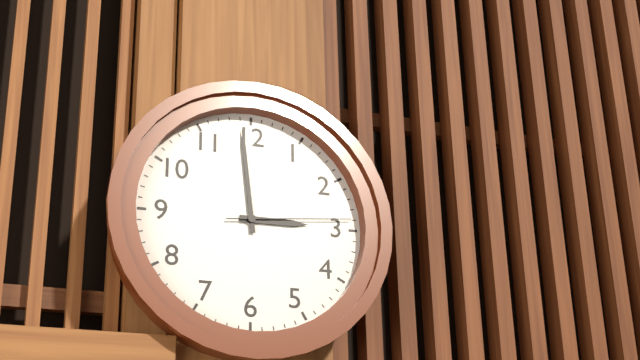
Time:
2.59.14
